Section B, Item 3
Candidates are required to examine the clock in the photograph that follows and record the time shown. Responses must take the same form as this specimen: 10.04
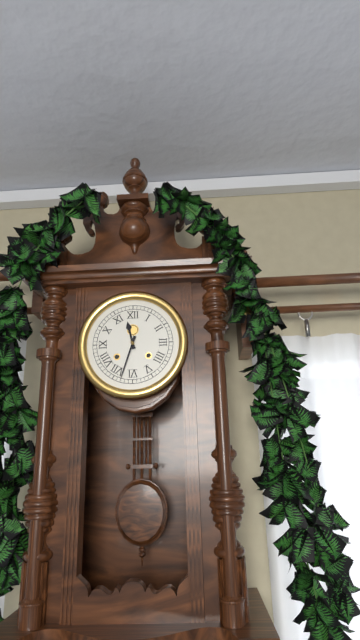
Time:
11.33
